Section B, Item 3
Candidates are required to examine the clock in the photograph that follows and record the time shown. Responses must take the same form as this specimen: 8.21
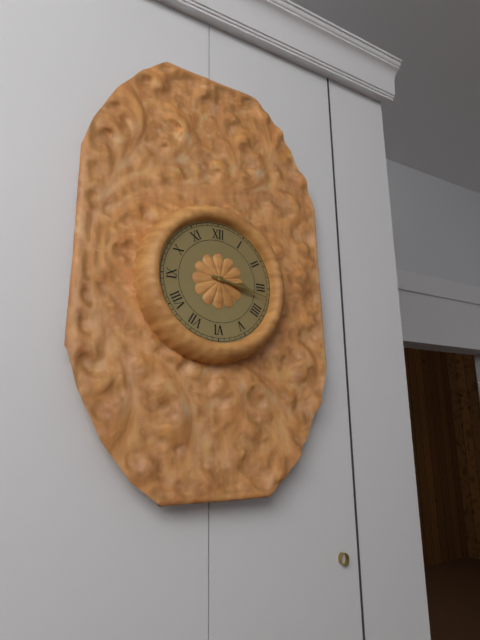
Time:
3.17
